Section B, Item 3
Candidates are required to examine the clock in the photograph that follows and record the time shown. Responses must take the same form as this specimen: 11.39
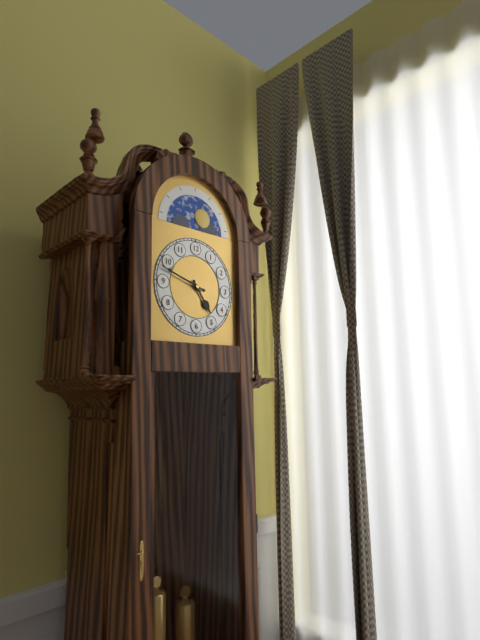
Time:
4.48
